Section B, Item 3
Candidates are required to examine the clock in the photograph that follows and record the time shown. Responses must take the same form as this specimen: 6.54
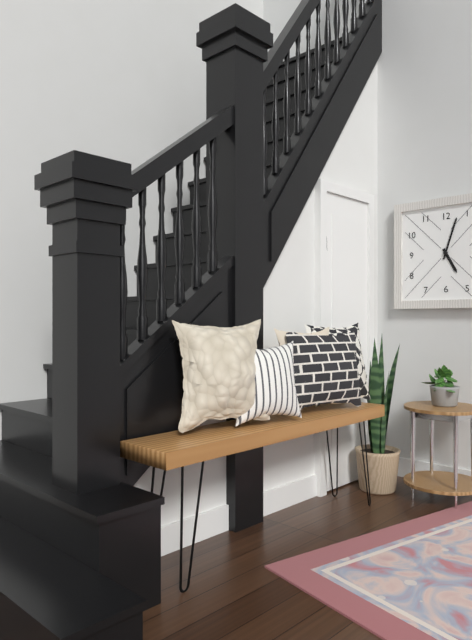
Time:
5.03
